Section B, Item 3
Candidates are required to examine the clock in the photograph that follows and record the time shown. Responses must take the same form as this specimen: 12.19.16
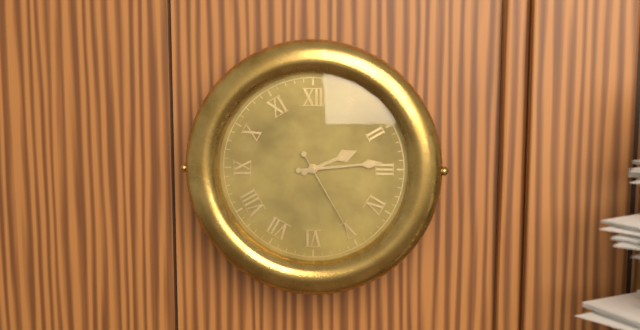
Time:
2.14.25
